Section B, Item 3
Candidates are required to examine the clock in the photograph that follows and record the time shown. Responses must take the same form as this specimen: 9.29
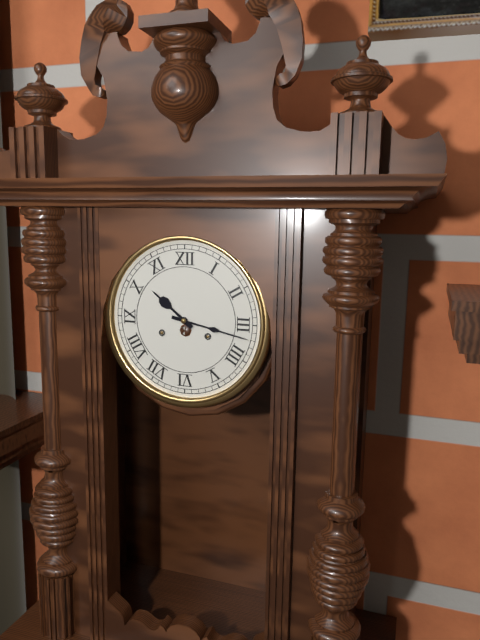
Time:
10.17
